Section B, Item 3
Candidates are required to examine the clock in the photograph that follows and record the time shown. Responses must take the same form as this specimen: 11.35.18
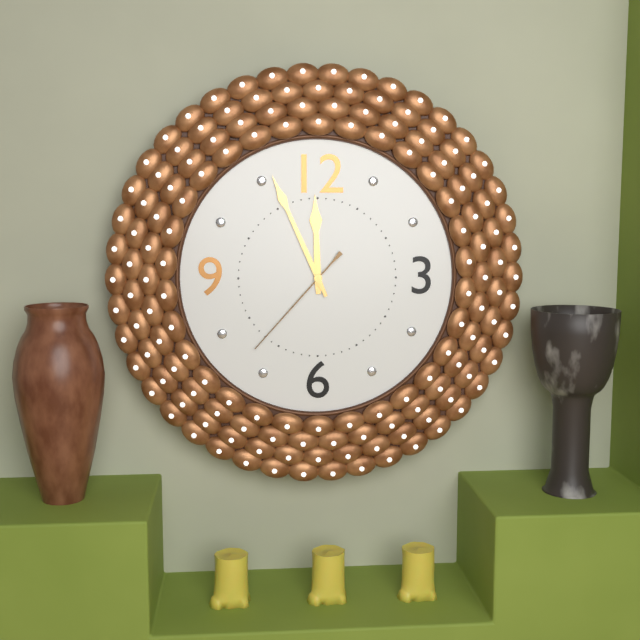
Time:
11.56.37
